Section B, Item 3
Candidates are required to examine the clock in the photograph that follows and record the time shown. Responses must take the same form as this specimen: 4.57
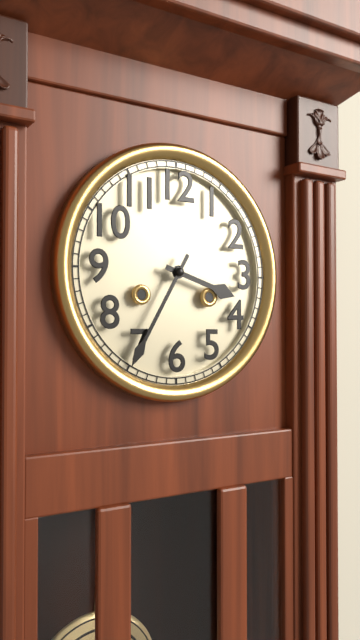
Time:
3.35
